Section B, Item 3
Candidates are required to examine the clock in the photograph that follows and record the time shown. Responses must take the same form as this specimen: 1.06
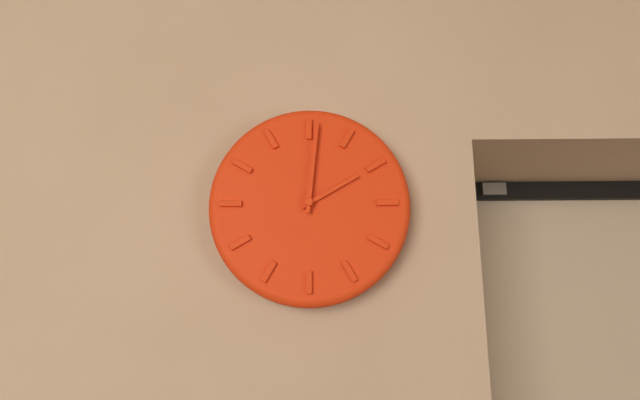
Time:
2.01
